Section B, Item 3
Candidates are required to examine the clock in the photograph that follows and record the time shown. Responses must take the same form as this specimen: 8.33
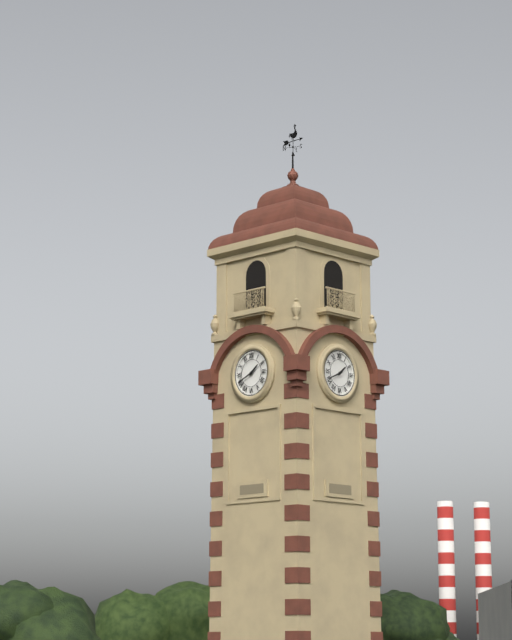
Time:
1.41
